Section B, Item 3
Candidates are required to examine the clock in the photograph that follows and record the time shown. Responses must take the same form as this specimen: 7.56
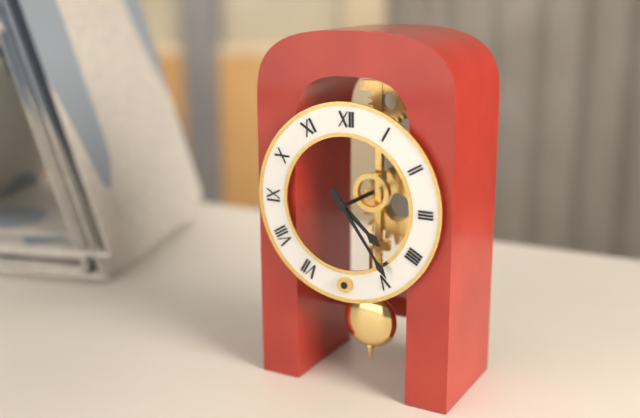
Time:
4.24
